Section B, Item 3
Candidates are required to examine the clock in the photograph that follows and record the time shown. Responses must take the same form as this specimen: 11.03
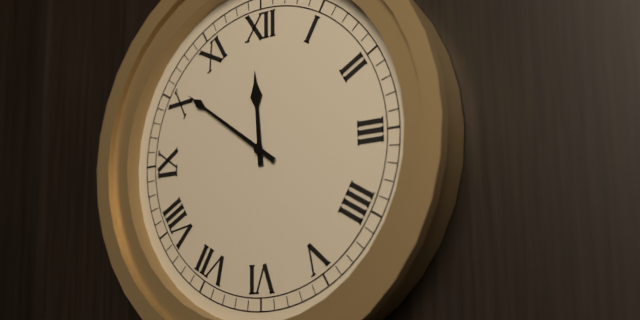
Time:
11.51
